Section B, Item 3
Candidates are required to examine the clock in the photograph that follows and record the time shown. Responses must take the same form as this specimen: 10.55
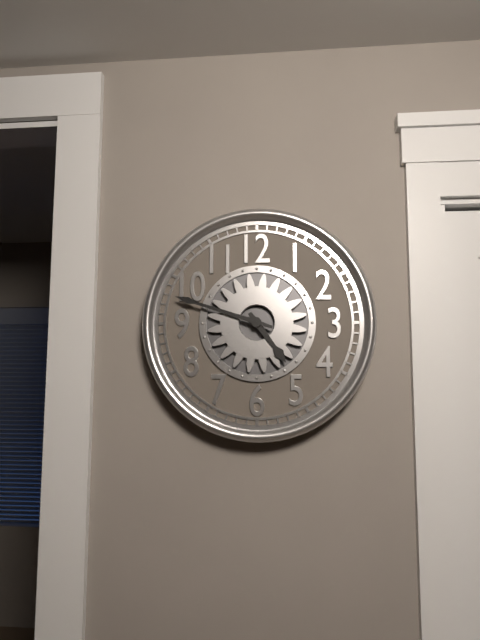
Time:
4.48
